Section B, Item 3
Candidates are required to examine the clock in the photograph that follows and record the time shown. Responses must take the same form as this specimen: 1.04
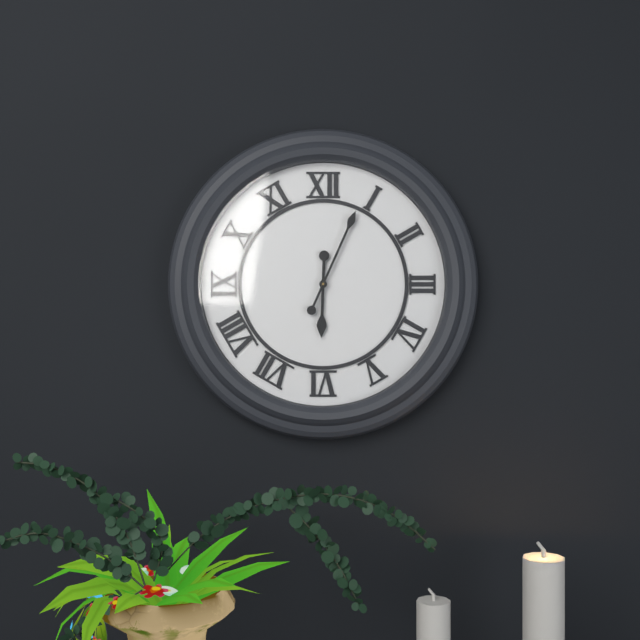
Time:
6.04
